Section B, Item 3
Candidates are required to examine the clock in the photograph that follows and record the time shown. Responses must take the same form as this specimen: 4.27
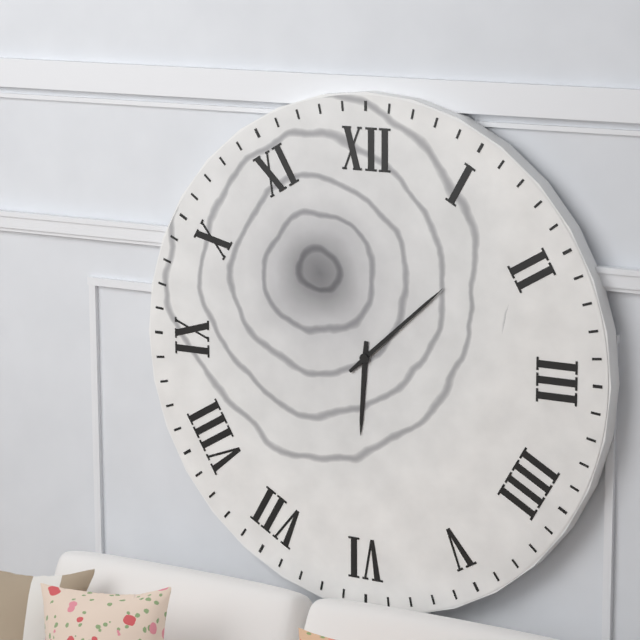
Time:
6.08
